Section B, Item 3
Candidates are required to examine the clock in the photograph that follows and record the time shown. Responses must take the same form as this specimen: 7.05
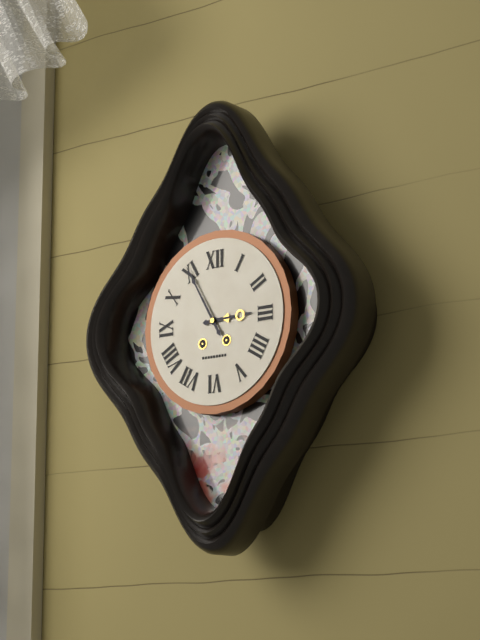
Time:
2.55
